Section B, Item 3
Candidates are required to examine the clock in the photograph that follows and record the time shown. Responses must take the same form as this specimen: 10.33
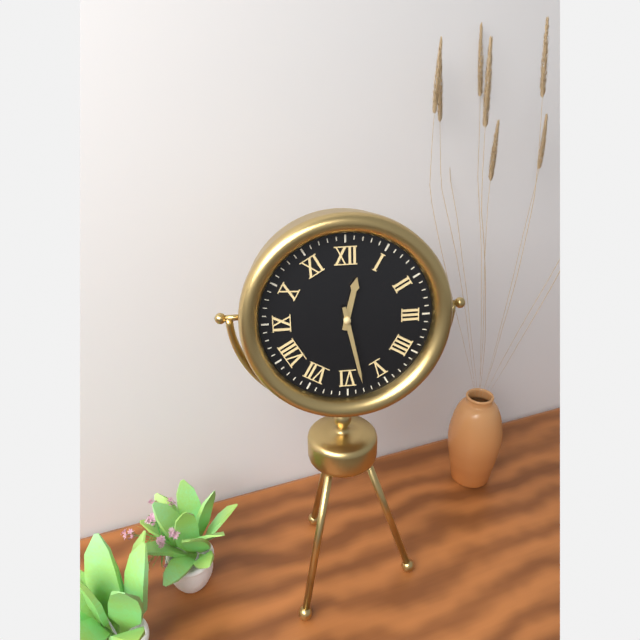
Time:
12.28
